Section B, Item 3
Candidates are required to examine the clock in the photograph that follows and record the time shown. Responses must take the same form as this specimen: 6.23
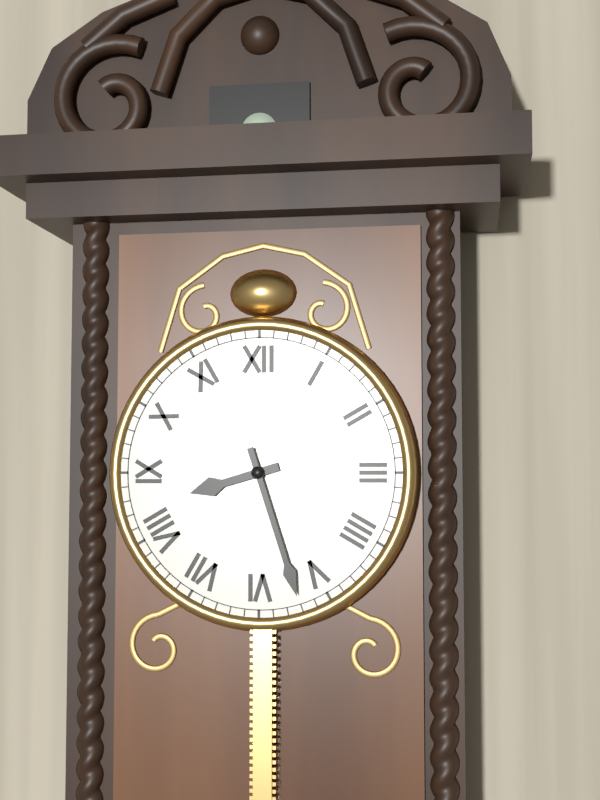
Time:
8.27
